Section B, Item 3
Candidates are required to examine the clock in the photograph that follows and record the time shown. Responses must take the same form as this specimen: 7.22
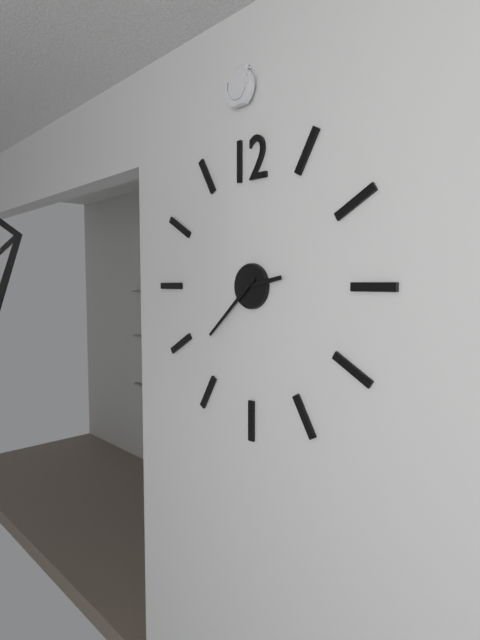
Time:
2.38
